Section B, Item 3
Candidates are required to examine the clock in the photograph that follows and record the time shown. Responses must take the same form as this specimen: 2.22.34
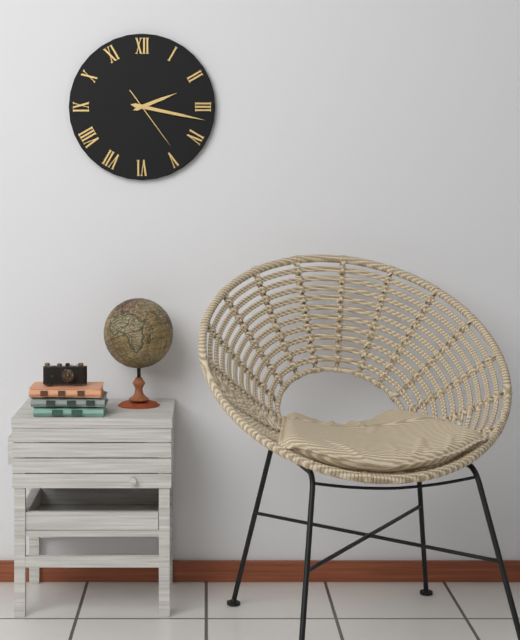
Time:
2.17.24
